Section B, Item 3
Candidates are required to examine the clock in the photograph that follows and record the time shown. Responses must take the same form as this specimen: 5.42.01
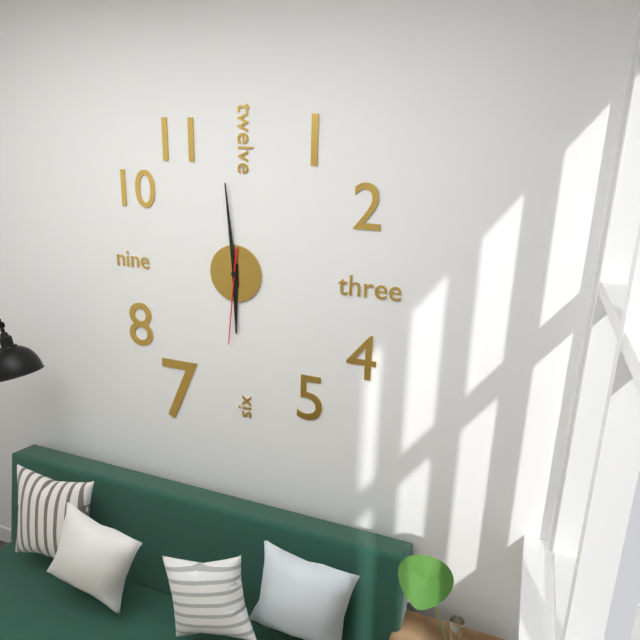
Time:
5.59.31
